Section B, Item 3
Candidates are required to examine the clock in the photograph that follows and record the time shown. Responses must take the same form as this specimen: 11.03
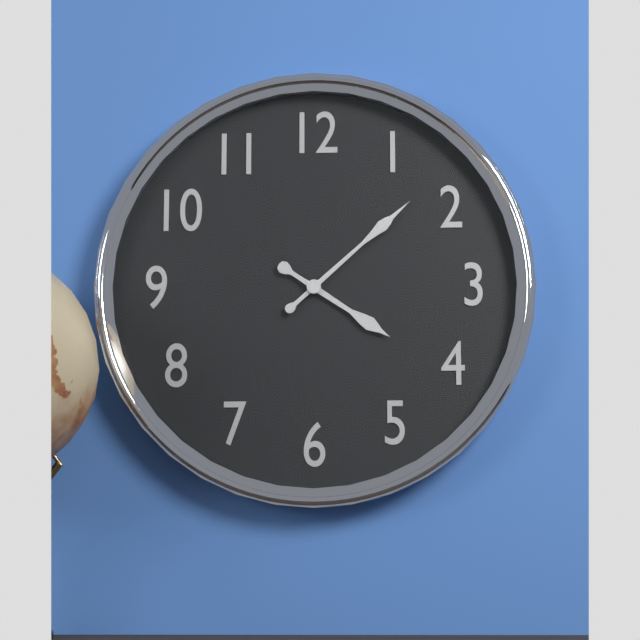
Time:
4.08
